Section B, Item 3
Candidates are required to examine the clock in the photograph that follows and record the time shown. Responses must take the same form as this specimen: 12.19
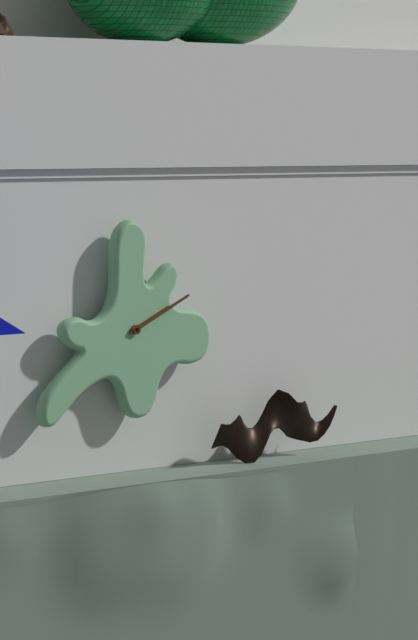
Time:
2.11
